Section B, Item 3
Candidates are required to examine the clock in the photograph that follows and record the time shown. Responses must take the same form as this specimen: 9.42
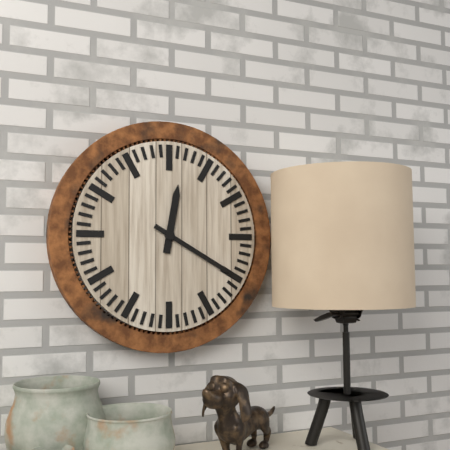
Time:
12.20
